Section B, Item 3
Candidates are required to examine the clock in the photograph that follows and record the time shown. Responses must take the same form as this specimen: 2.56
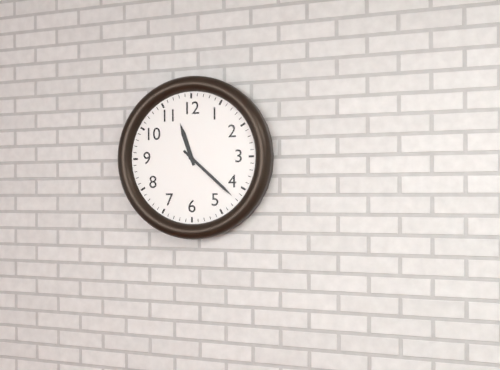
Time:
11.22
